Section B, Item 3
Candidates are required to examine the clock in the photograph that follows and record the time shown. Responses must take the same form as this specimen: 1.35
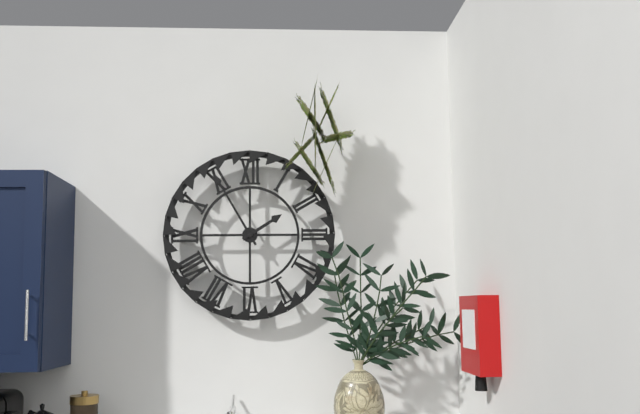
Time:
1.55
